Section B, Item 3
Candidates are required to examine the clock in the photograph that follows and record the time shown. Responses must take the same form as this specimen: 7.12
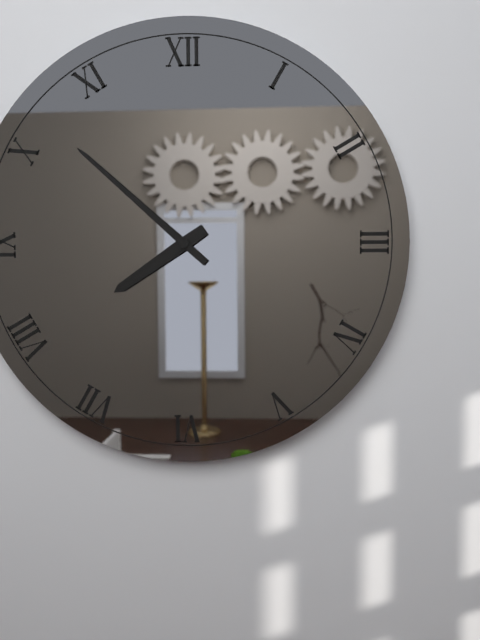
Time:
7.52
